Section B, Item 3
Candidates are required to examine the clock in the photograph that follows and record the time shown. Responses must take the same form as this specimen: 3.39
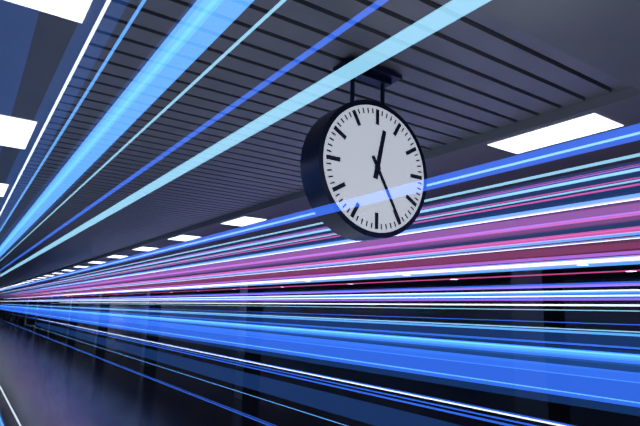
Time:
12.25
